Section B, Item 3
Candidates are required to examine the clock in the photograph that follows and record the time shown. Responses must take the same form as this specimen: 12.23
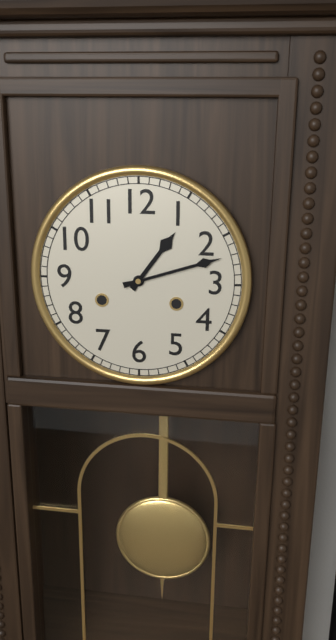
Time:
1.12
